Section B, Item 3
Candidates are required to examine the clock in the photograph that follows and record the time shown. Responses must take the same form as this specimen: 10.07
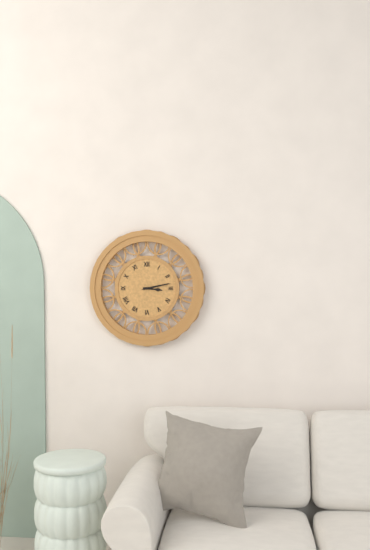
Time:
3.13
